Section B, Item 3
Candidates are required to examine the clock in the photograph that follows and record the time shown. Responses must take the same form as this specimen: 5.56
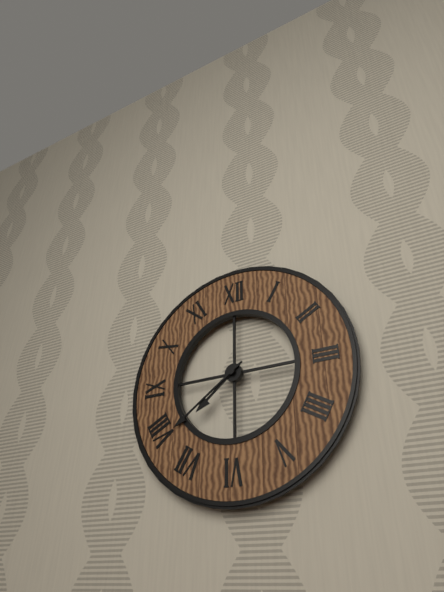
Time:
7.39
